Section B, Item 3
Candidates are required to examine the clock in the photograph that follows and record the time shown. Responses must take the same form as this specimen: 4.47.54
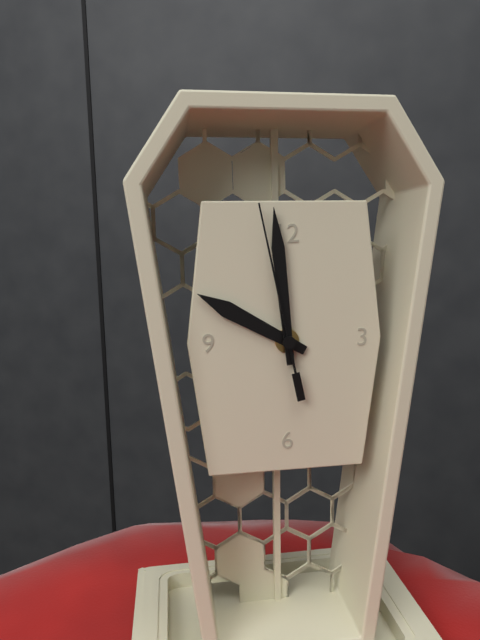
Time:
9.59.58
